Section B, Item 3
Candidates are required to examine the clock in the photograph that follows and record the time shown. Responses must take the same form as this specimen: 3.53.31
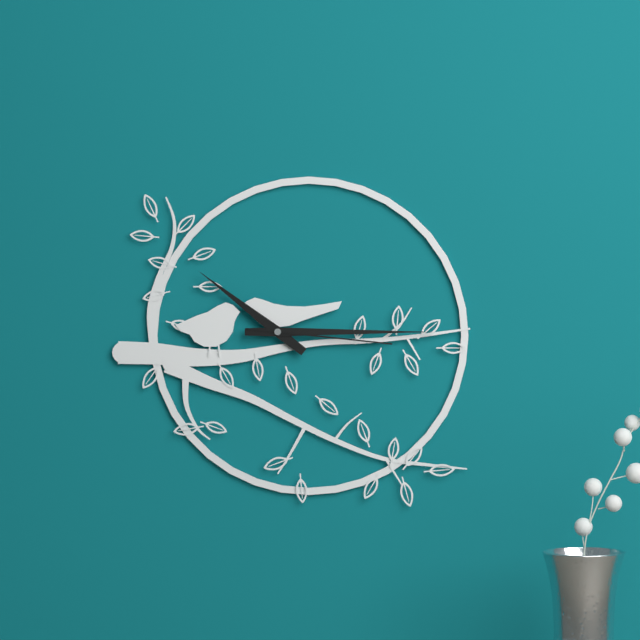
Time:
10.15.16
